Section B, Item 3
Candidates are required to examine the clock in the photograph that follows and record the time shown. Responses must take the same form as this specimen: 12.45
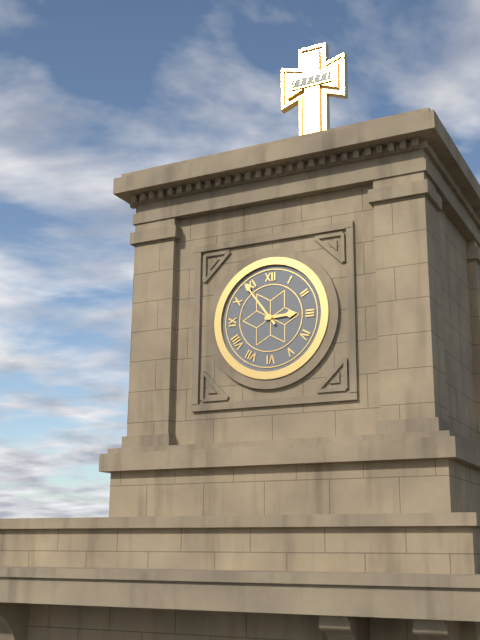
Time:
2.54
